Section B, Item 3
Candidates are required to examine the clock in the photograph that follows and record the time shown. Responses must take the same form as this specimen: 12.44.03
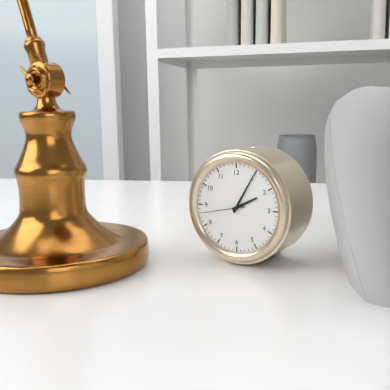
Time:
2.05.43
